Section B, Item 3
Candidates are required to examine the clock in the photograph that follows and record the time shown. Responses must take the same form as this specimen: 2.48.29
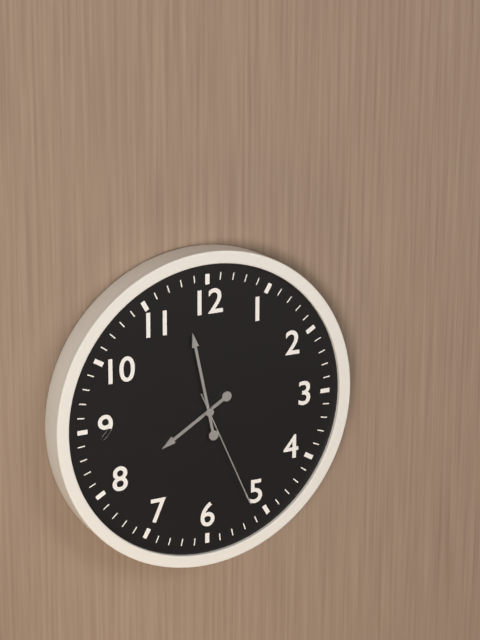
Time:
7.58.26
